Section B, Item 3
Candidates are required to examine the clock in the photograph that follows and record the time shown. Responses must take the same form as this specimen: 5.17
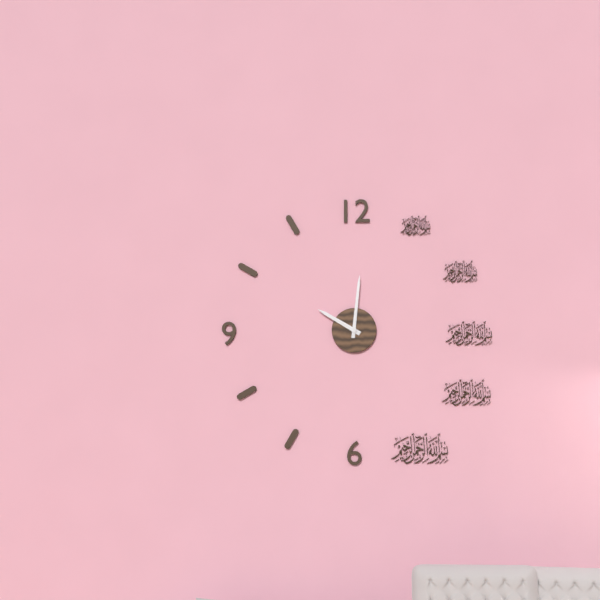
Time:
10.01
